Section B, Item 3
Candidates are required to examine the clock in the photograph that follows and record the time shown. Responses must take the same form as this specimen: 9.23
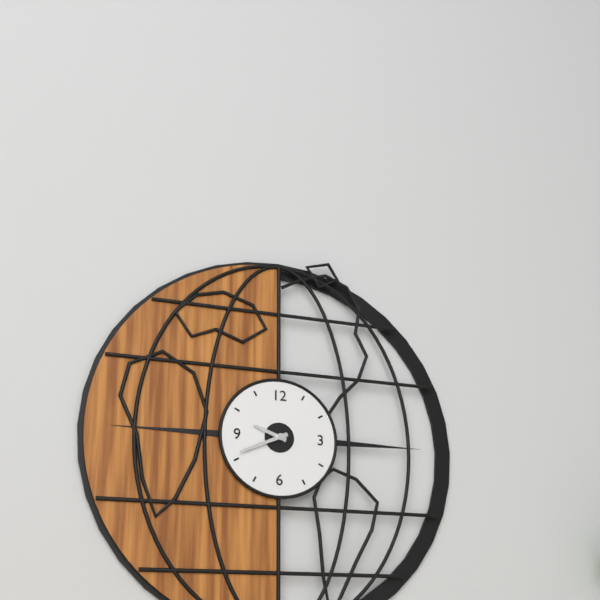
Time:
9.41
